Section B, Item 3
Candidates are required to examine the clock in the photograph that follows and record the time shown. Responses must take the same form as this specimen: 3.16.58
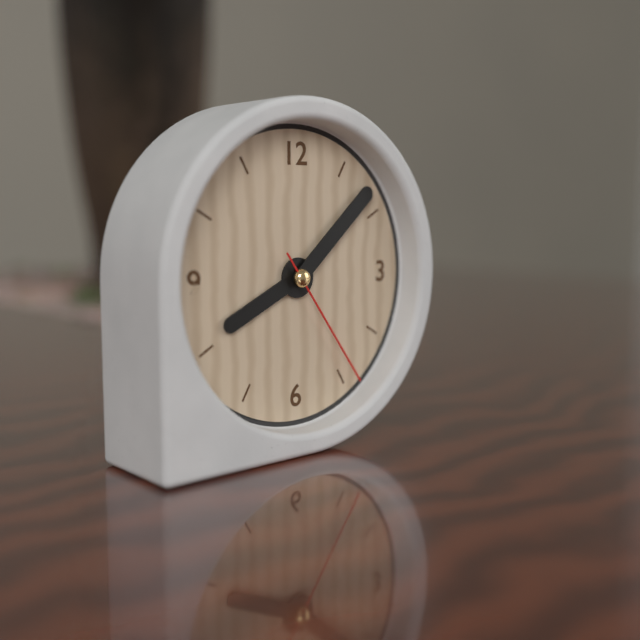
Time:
8.08.24
